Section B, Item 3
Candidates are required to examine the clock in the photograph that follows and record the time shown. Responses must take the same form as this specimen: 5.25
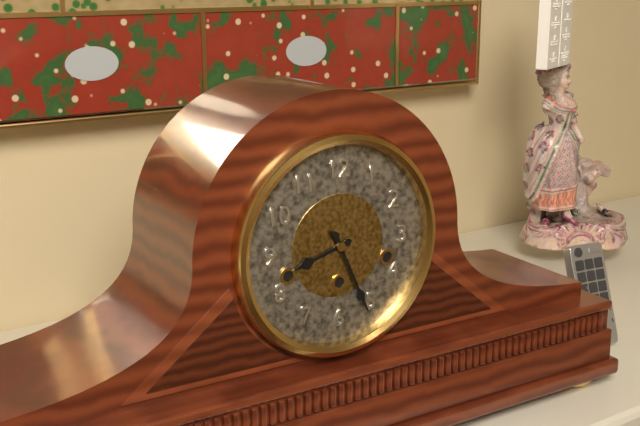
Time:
8.26
